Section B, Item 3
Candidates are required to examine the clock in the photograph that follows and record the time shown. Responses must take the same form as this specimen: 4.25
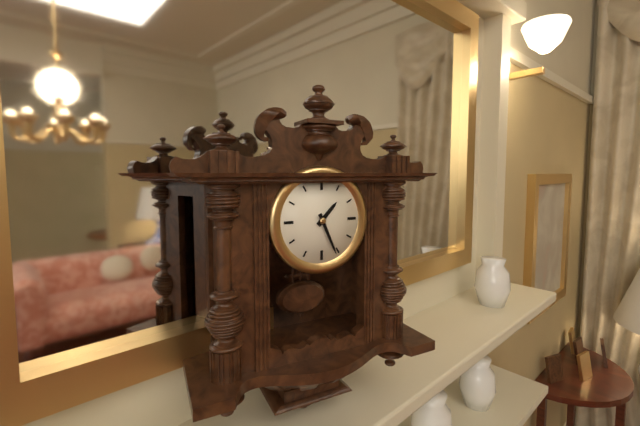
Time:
1.26
